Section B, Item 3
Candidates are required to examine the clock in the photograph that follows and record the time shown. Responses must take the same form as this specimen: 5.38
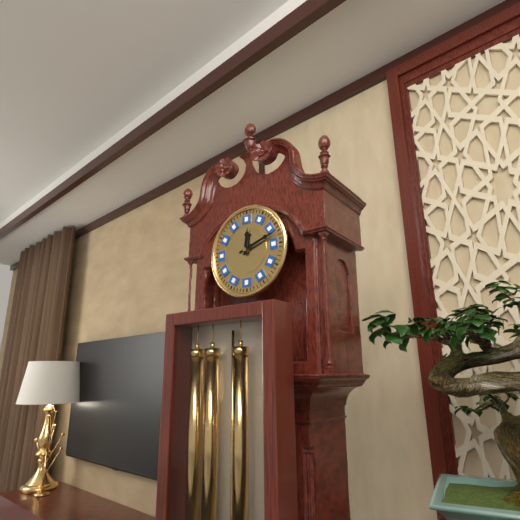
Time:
12.12
